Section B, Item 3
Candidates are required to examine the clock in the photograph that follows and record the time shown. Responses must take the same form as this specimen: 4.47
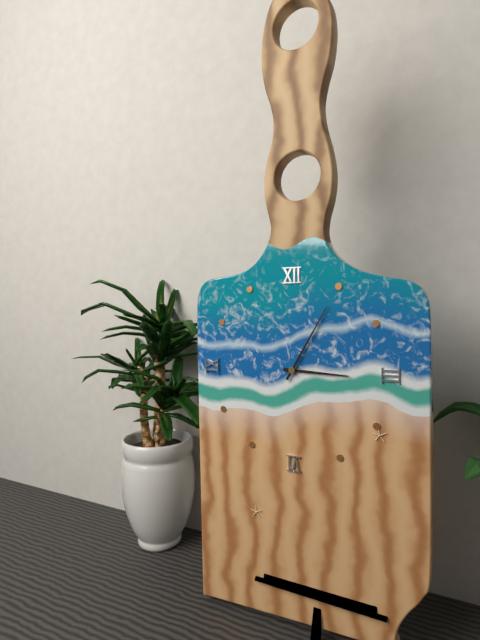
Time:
3.05
